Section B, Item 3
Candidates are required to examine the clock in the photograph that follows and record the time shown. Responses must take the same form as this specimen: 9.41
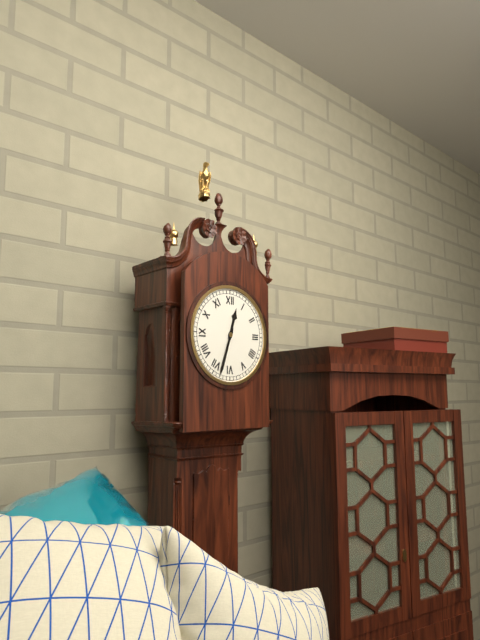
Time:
12.33
